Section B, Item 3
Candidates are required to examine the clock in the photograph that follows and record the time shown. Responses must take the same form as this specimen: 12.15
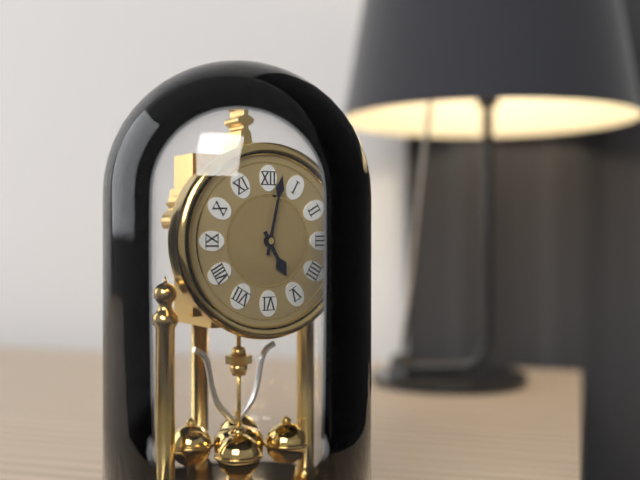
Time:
5.02
